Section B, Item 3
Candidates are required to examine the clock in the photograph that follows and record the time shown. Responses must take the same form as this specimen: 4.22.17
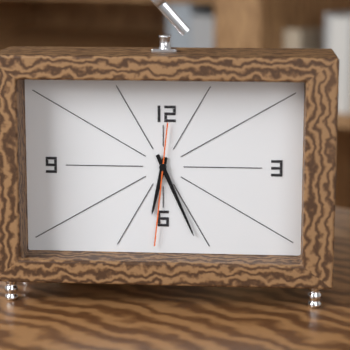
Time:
6.26.31
